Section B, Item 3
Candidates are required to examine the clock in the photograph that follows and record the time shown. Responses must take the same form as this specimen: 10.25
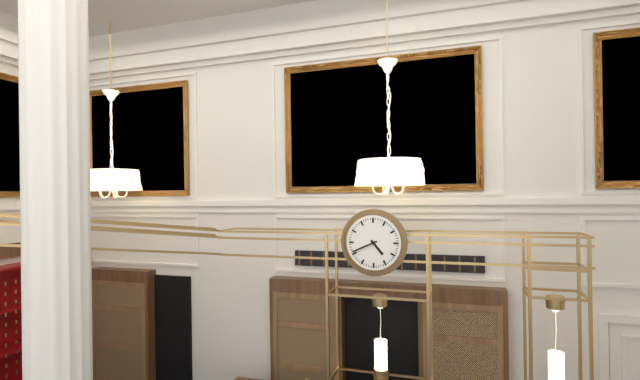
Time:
4.41
